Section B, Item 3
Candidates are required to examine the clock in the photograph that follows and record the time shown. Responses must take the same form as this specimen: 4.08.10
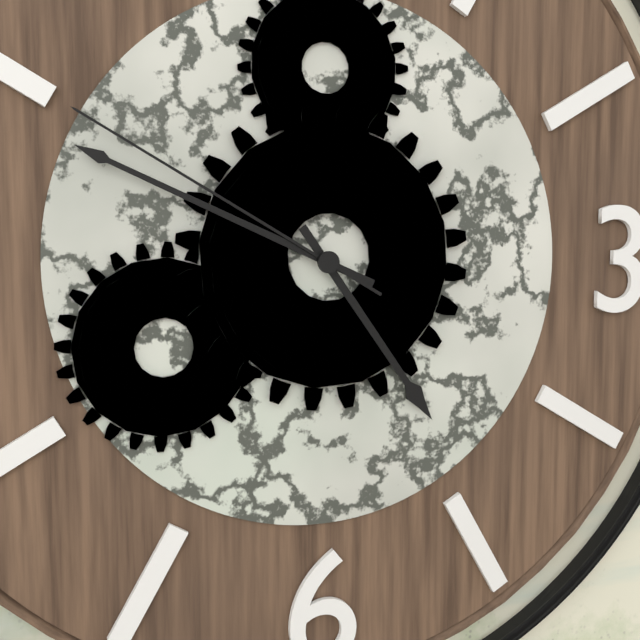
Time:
4.49.50
